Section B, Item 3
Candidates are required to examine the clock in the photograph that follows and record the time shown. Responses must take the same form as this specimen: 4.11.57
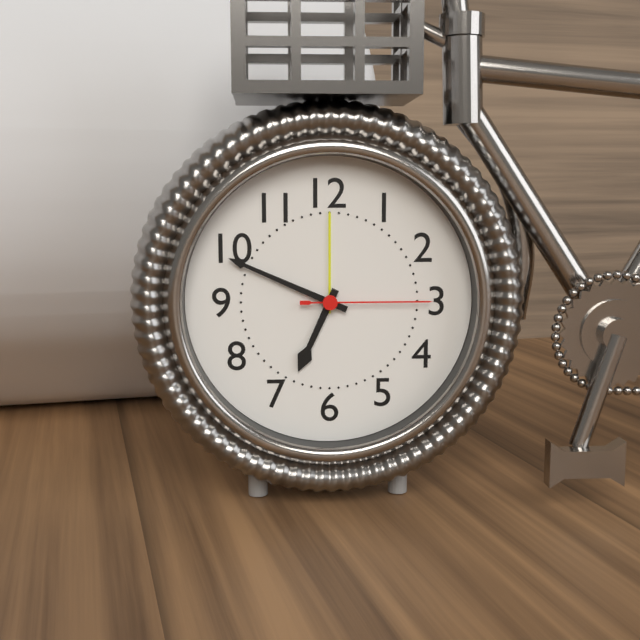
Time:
6.49.15
